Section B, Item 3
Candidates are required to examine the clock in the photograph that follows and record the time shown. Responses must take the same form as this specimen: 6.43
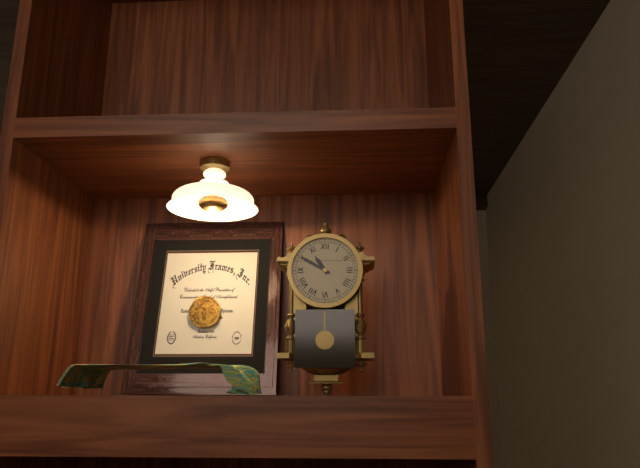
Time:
10.50
